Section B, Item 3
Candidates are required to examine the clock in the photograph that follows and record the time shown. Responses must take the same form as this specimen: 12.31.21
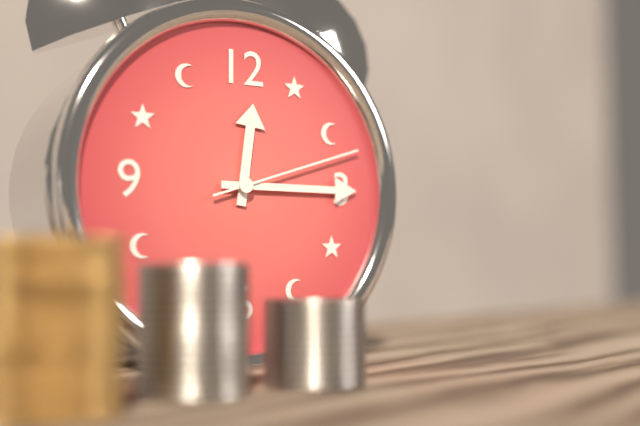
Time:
12.15.12
